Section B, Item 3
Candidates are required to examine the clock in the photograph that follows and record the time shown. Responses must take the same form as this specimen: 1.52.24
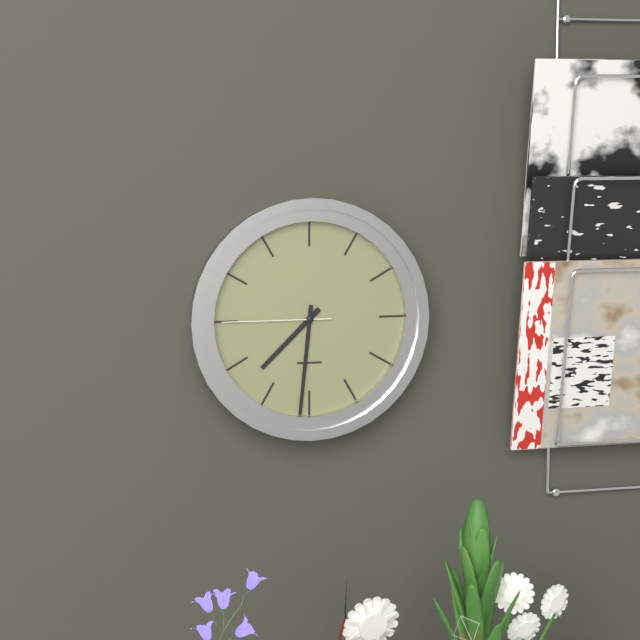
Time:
7.31.45
